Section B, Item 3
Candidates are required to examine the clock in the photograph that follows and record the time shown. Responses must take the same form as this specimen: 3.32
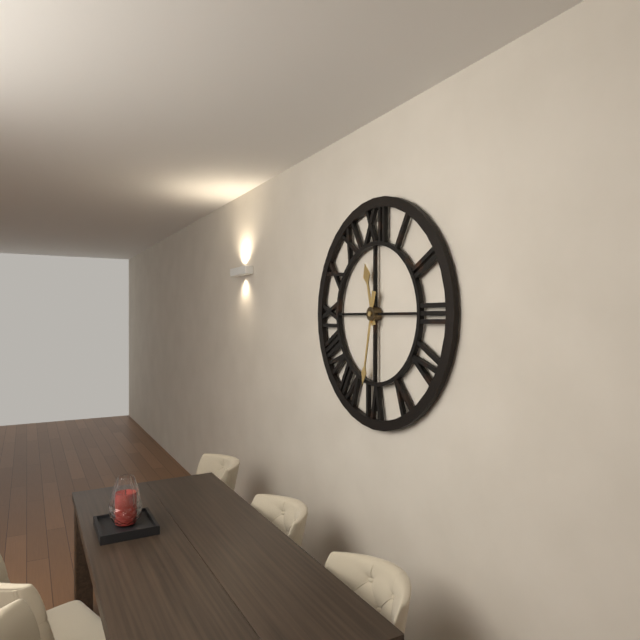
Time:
11.32
